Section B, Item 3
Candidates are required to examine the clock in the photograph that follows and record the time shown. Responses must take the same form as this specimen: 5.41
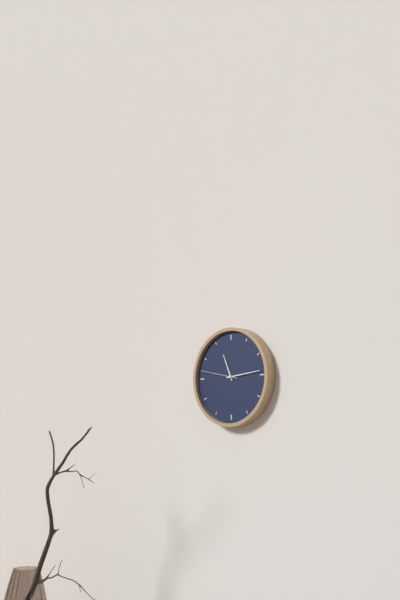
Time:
11.14
